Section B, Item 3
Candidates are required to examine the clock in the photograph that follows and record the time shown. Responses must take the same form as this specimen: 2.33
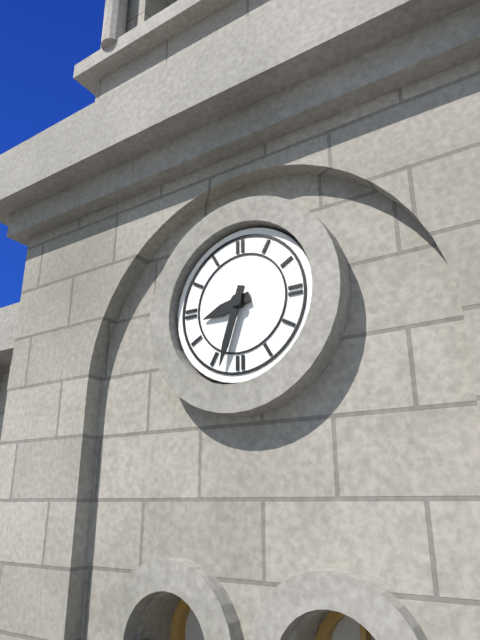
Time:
8.33
